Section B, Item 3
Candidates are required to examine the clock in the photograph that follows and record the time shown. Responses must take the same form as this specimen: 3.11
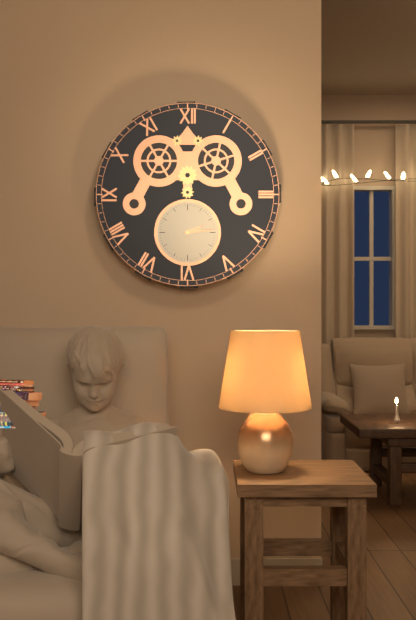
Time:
2.14
